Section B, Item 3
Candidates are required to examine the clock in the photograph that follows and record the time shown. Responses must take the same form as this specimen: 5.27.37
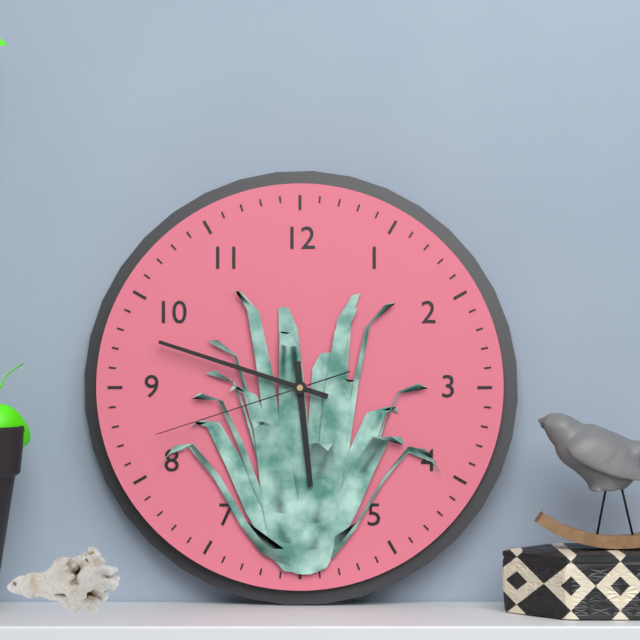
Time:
5.48.42
